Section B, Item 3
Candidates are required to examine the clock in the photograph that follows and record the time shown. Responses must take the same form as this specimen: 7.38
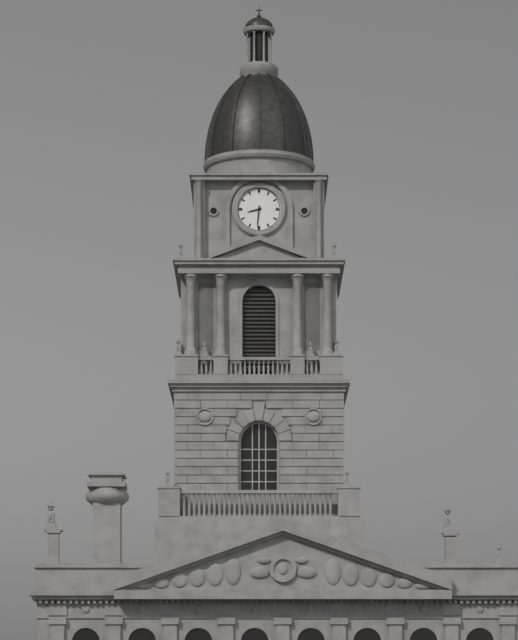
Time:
8.31
